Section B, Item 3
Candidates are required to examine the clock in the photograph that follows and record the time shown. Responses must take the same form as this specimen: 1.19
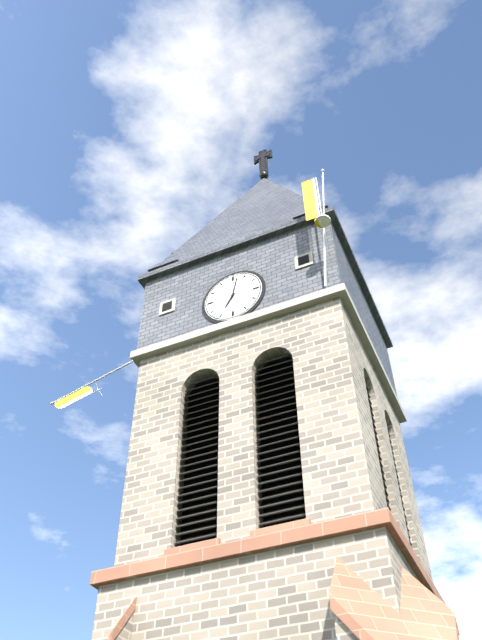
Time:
7.02
